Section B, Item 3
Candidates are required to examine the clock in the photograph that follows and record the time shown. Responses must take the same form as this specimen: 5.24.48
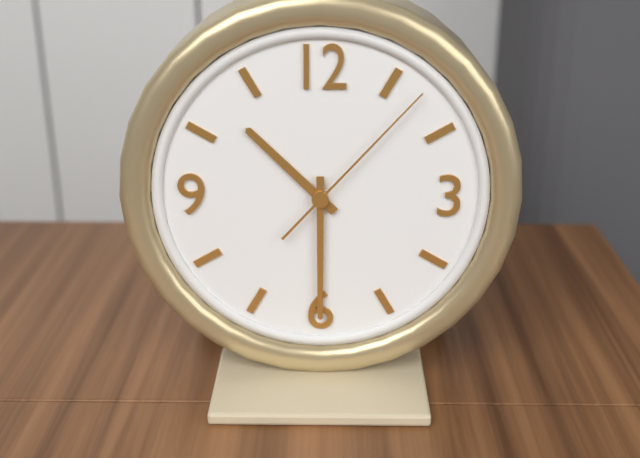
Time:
10.30.07
